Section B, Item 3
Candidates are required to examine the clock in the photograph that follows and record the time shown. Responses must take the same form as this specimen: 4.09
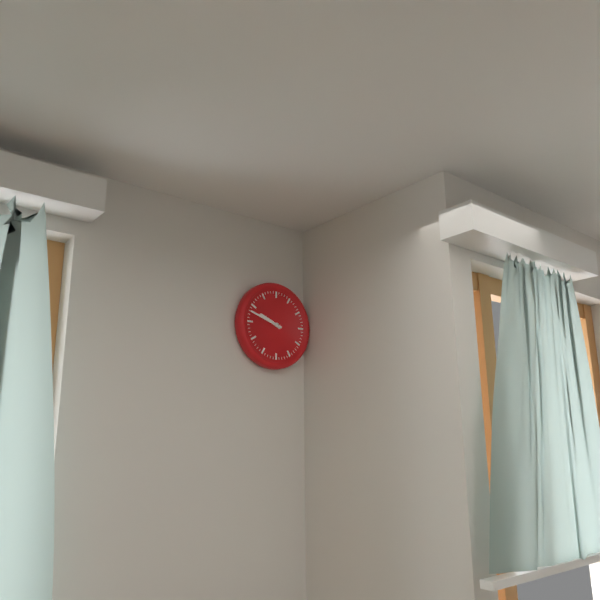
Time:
9.48
